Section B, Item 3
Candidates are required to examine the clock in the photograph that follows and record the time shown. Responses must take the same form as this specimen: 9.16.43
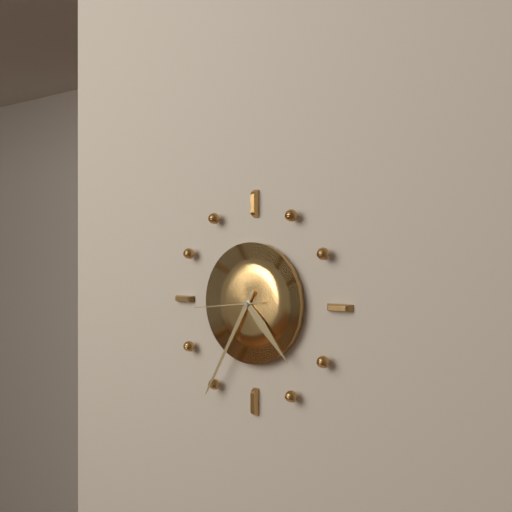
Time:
4.35.44
